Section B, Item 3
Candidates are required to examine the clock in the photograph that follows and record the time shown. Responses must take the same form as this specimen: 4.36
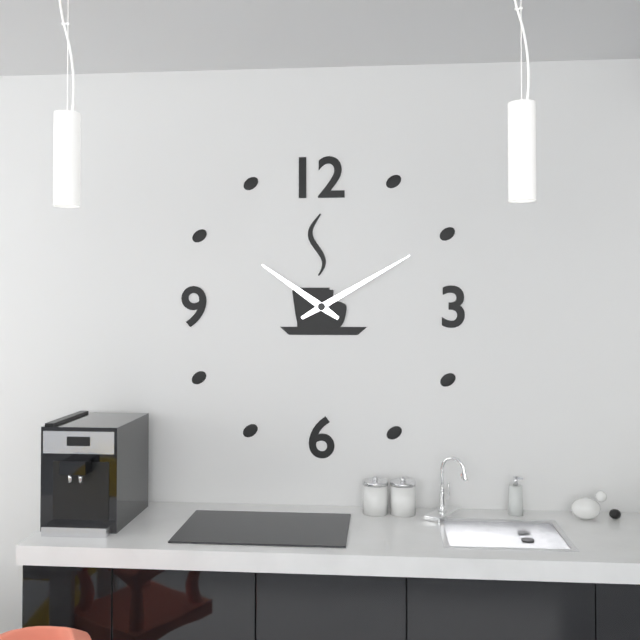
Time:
10.10
